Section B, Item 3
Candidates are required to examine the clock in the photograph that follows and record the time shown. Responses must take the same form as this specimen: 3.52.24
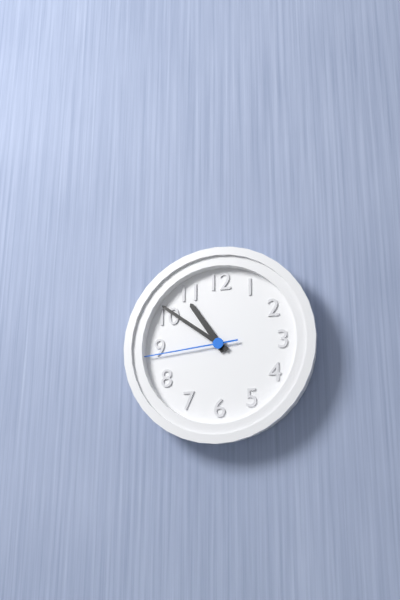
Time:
10.51.44
